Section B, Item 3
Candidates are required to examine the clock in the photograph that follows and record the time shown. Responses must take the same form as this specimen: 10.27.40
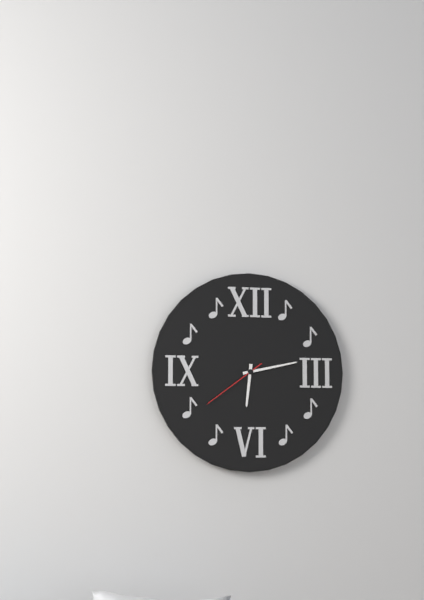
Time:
6.13.39
